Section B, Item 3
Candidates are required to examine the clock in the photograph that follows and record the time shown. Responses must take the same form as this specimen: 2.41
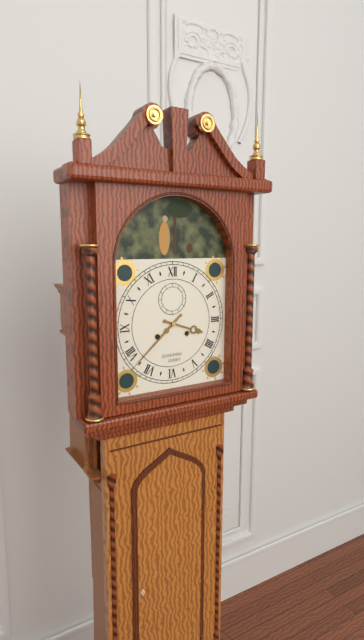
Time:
3.38
